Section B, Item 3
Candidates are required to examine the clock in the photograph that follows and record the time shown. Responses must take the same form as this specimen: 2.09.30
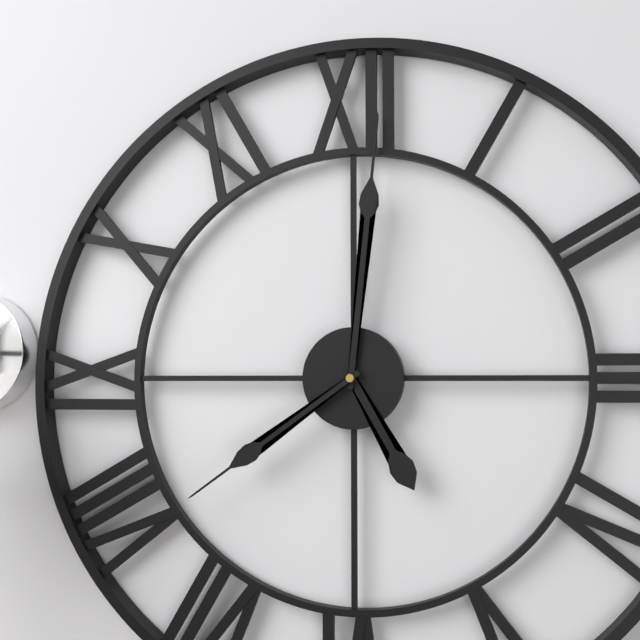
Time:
5.01.39
